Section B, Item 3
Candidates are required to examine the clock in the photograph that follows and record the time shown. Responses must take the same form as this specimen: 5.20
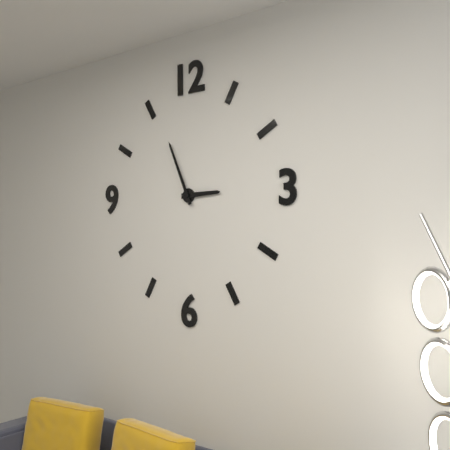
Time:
2.56
